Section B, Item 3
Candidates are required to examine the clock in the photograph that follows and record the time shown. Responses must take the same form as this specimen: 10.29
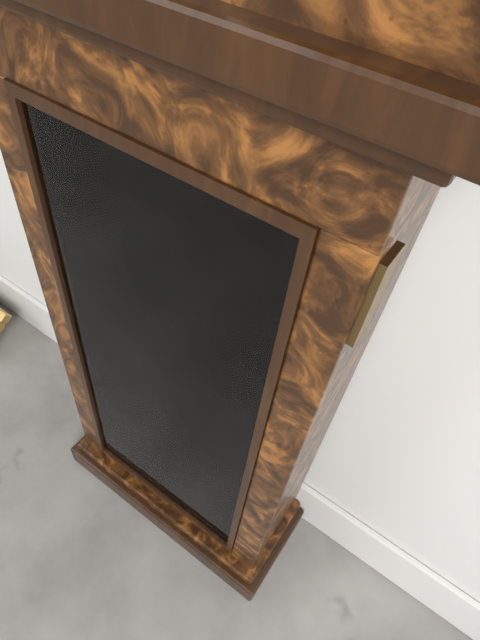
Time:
3.23
